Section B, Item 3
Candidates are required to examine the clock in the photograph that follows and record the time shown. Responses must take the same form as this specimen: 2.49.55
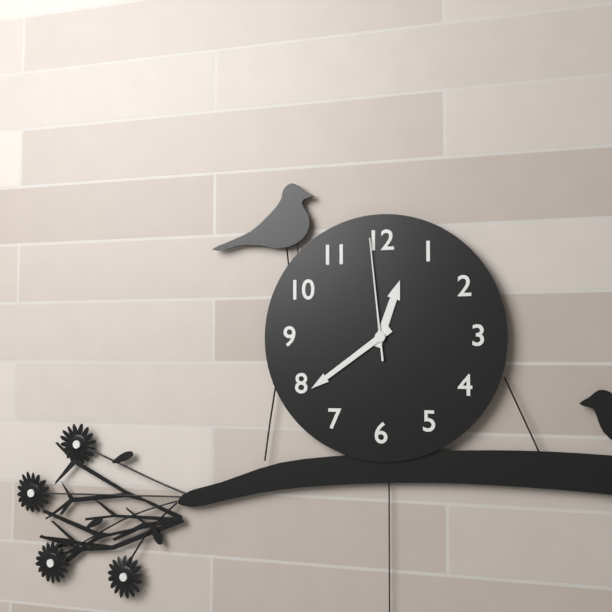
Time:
12.39.59
